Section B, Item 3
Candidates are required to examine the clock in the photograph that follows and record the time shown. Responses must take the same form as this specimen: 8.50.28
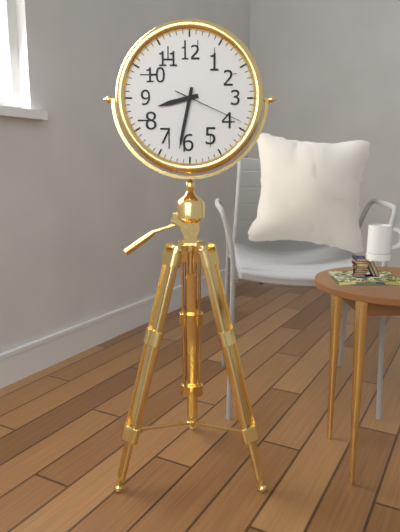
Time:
8.32.19
